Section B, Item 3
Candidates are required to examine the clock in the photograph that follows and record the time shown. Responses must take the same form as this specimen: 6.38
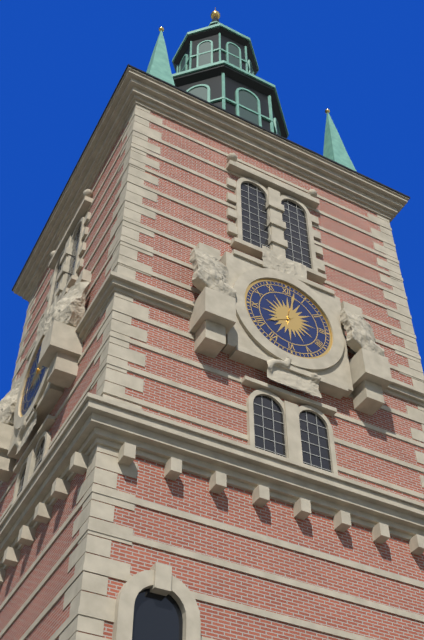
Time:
8.02
